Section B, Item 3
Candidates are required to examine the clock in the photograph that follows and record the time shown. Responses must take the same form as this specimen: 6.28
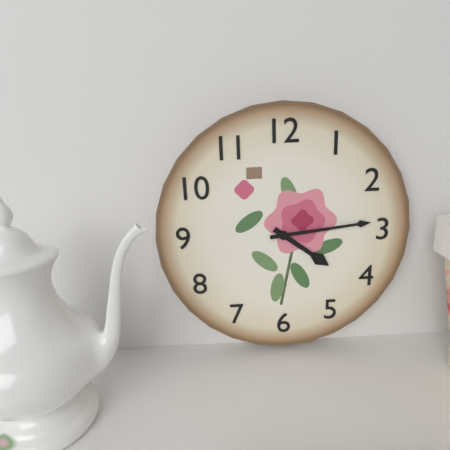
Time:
4.14
